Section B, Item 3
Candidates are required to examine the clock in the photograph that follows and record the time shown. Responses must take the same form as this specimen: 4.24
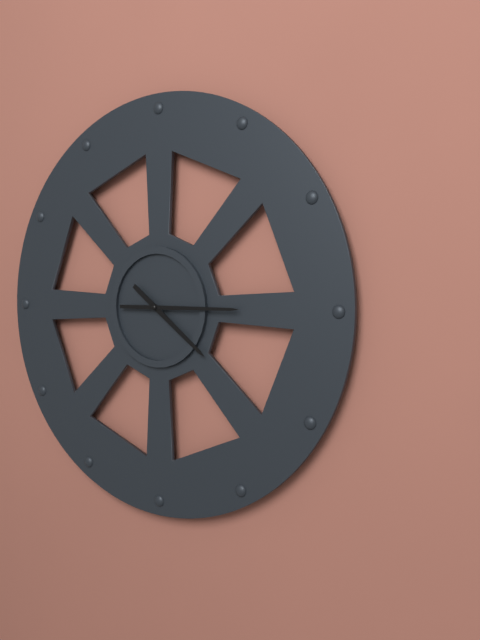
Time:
4.15
